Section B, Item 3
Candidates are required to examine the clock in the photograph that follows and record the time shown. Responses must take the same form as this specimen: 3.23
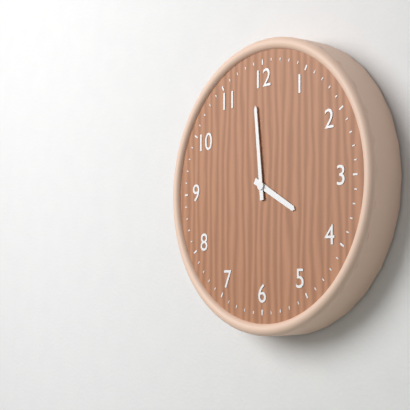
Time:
3.59
